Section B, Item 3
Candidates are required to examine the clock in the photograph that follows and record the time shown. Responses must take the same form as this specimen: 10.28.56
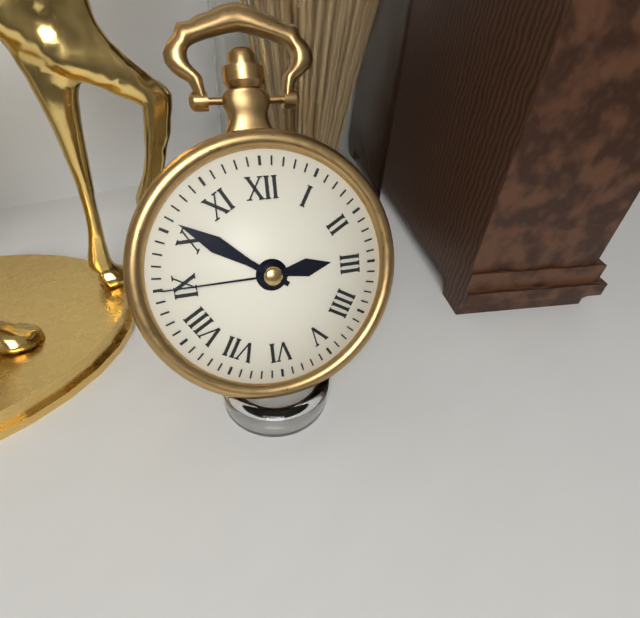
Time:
2.51.45
